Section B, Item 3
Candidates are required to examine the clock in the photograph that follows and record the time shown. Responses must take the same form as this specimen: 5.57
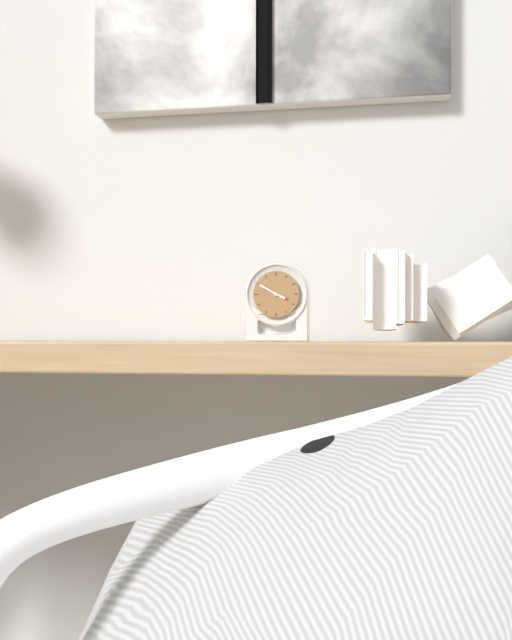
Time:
3.50
